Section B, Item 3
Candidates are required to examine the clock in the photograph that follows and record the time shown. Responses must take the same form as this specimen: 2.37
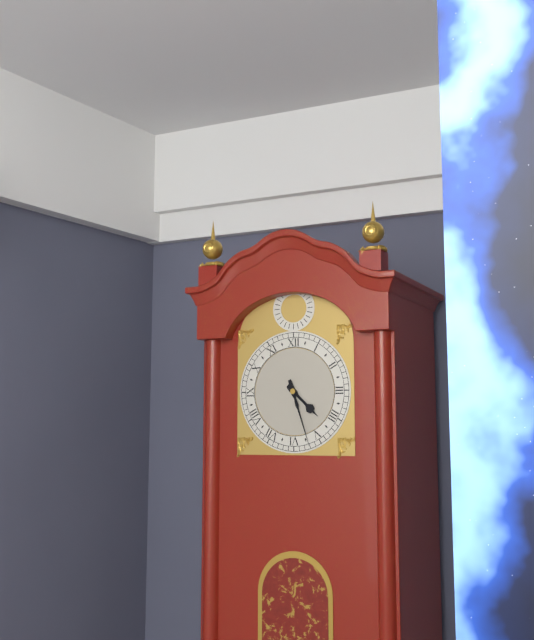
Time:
4.27
